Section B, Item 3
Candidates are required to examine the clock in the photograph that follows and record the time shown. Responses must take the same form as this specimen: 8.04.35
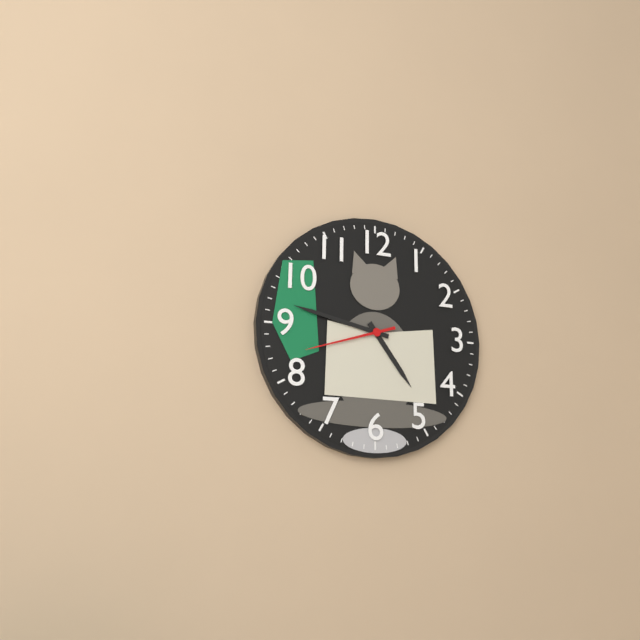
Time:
4.47.42
